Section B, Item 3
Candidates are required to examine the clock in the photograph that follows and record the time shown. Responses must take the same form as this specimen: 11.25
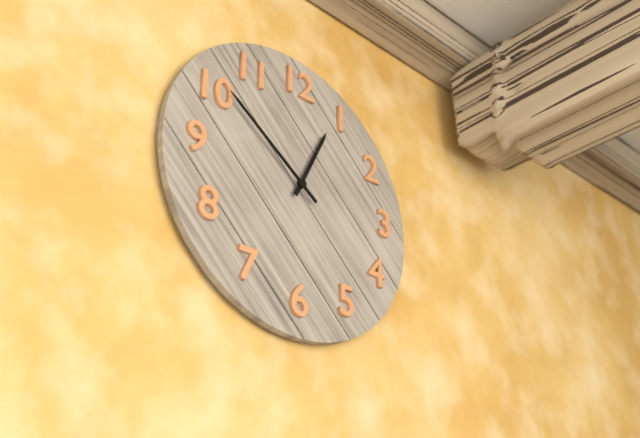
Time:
12.51
